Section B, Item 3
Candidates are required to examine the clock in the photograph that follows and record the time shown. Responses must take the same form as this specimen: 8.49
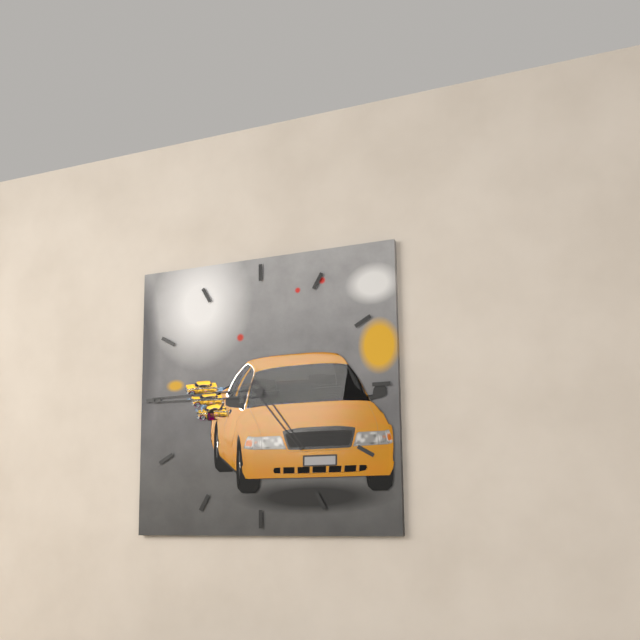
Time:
4.45
